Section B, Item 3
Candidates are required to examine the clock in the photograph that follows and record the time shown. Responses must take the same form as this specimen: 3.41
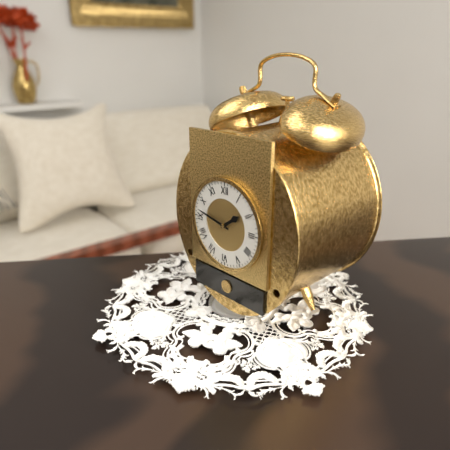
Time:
1.47
